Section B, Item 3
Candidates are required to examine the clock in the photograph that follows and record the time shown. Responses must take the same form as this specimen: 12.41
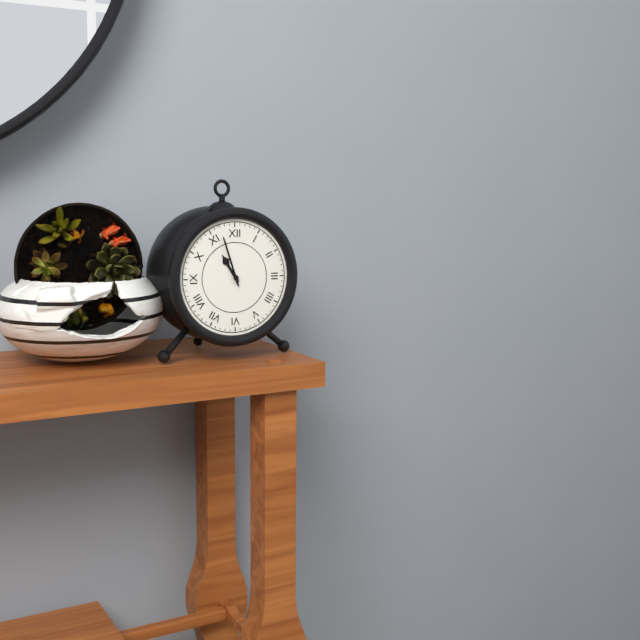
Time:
10.57
